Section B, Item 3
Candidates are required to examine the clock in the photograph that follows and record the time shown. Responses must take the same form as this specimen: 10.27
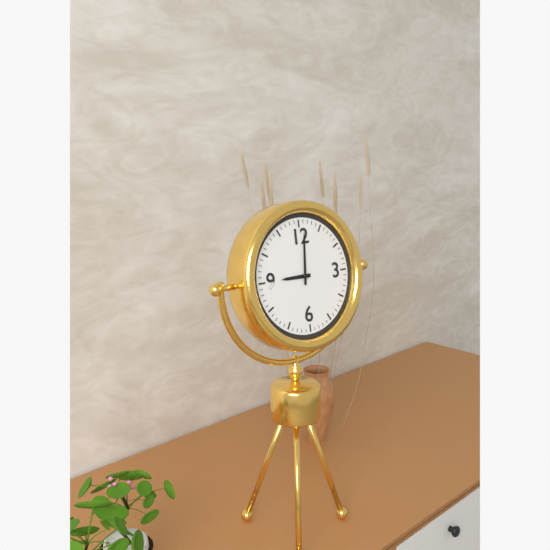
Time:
9.01
